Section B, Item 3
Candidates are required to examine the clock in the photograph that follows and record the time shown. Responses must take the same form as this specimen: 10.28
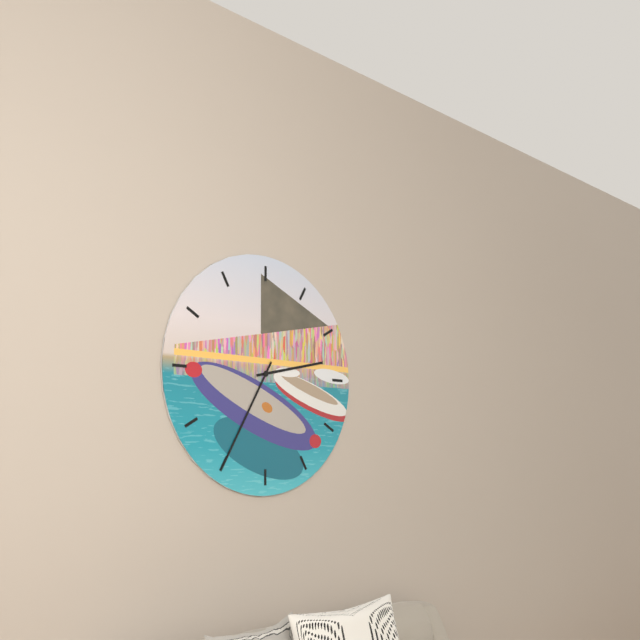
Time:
2.35
